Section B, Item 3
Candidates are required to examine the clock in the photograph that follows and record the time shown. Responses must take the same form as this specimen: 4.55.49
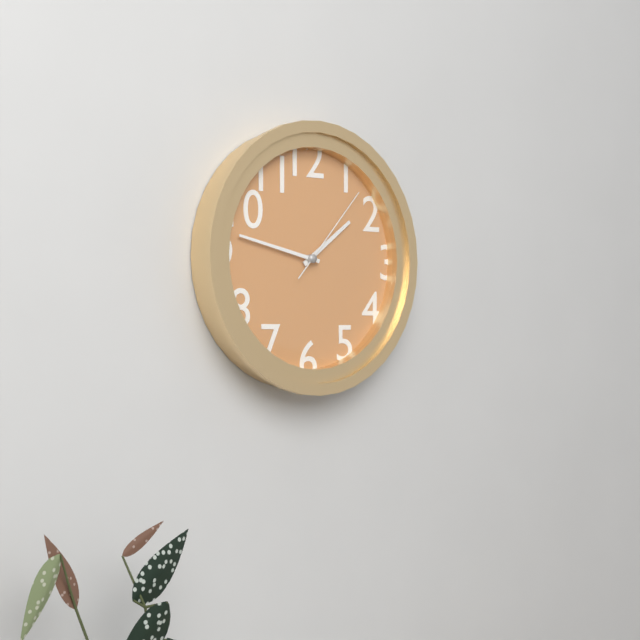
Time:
1.47.07
